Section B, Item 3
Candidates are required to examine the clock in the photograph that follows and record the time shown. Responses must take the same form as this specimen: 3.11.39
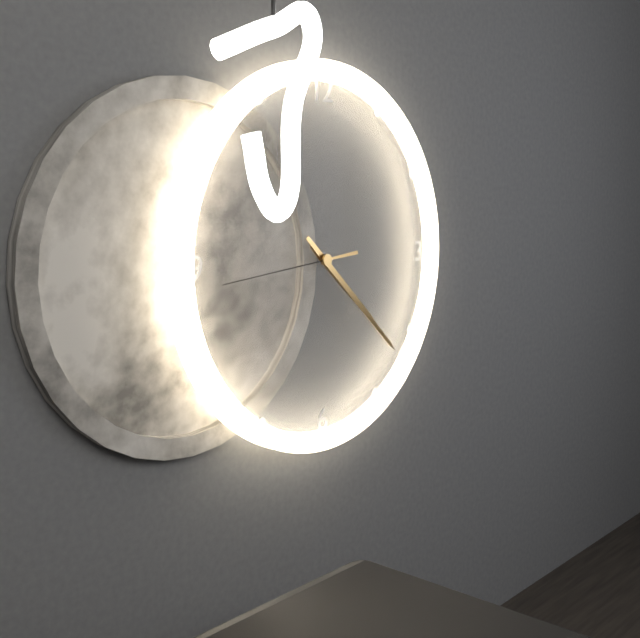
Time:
4.22.44
